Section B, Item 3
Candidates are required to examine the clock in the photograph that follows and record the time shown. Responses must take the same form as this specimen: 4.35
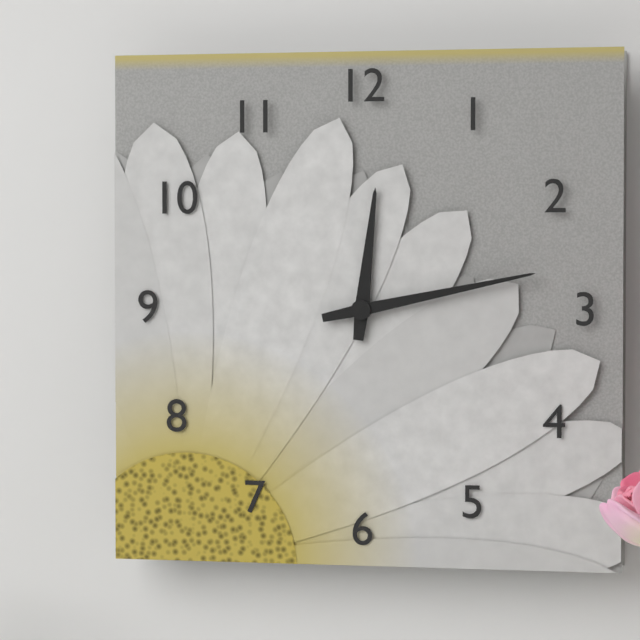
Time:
12.13
